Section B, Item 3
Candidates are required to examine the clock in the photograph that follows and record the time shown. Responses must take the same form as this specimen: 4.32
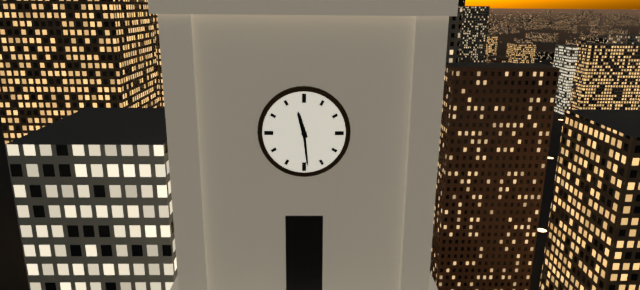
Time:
11.29
